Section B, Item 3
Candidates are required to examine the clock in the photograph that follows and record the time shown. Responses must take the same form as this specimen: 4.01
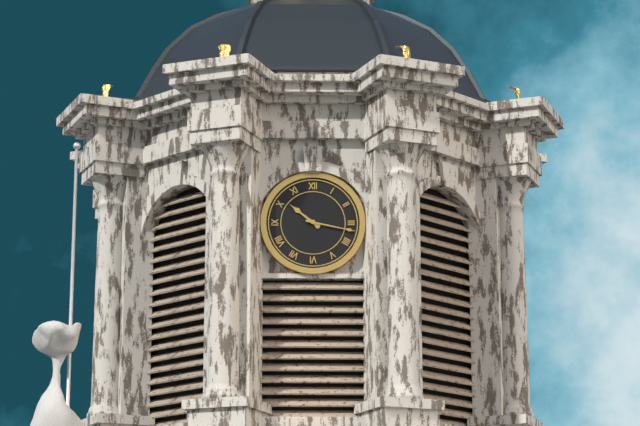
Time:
10.17
